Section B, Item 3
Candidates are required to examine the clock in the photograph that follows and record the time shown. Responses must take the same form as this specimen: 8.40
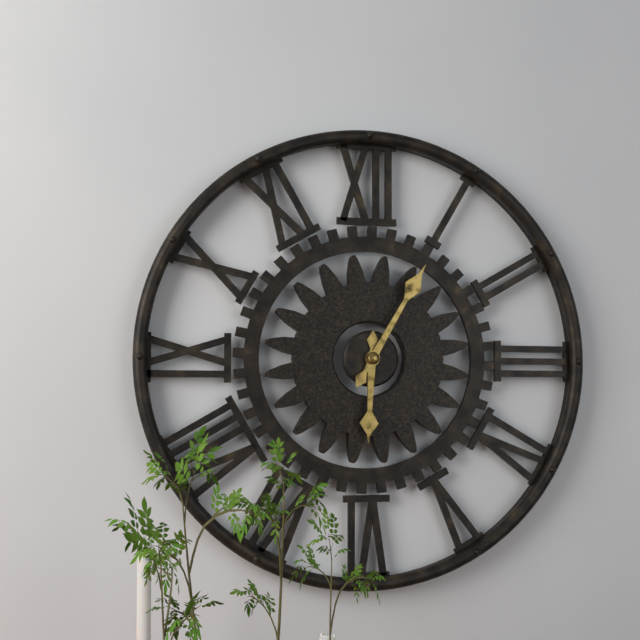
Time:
6.05
